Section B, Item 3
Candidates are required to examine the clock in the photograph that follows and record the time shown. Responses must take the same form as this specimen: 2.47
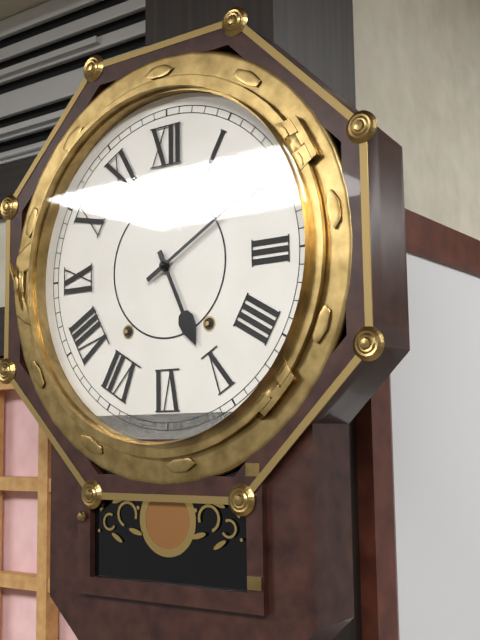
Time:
5.10
